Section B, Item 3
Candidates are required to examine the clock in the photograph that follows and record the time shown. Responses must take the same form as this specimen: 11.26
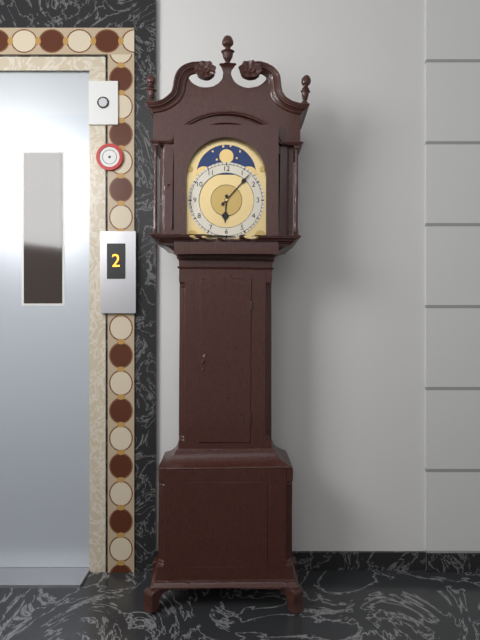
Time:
6.07
